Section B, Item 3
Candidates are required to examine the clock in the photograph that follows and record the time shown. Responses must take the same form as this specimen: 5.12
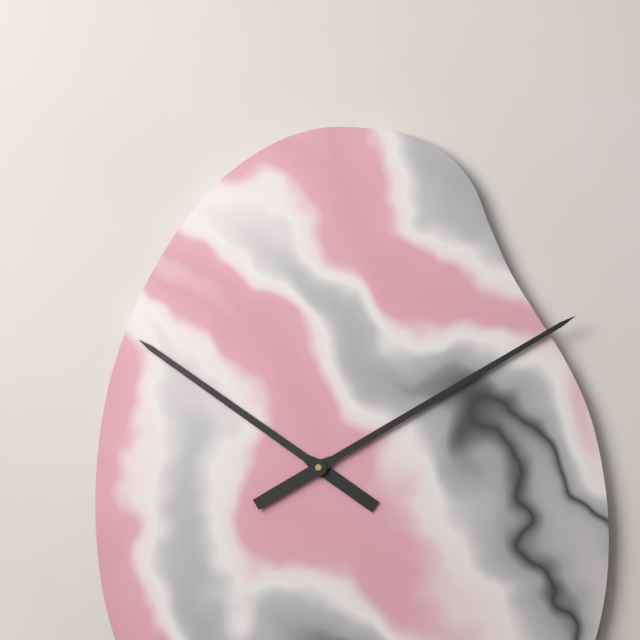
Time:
10.10
